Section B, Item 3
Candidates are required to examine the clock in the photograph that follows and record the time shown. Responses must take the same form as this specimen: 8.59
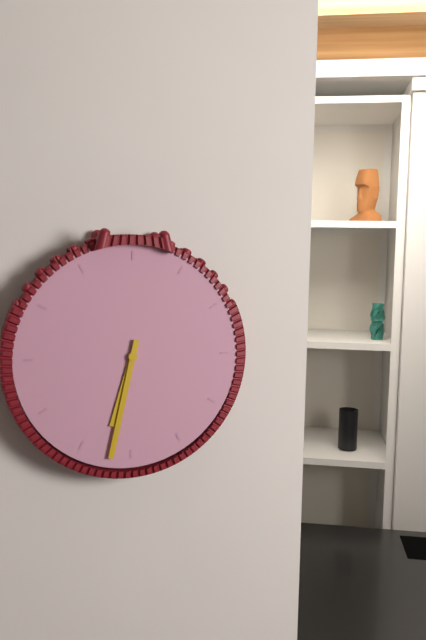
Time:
6.32
